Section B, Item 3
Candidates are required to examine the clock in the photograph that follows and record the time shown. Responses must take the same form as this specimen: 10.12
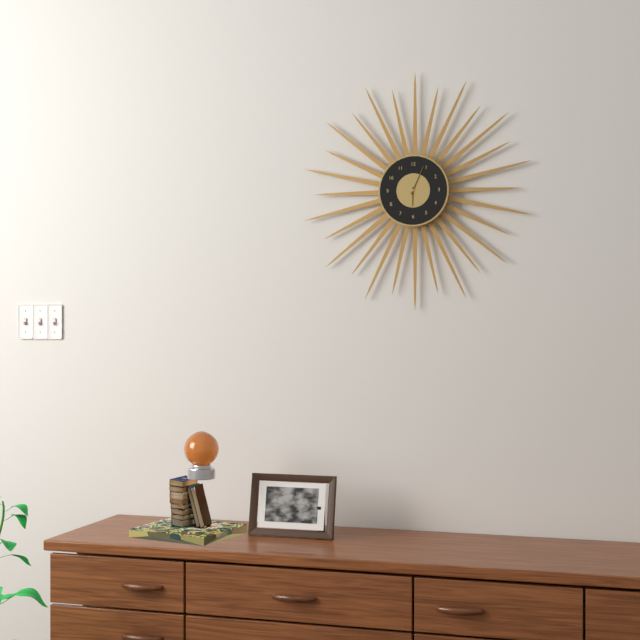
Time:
6.04
